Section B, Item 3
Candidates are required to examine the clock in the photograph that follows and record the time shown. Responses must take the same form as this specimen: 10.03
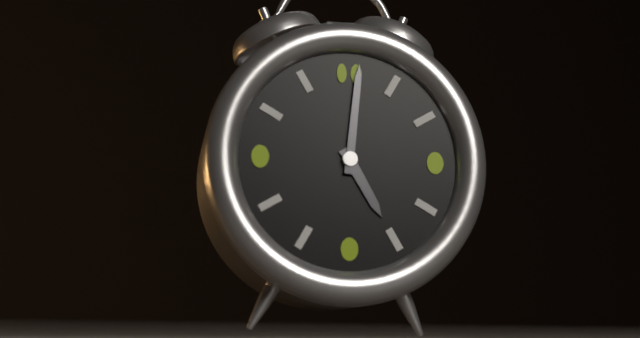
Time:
5.01
